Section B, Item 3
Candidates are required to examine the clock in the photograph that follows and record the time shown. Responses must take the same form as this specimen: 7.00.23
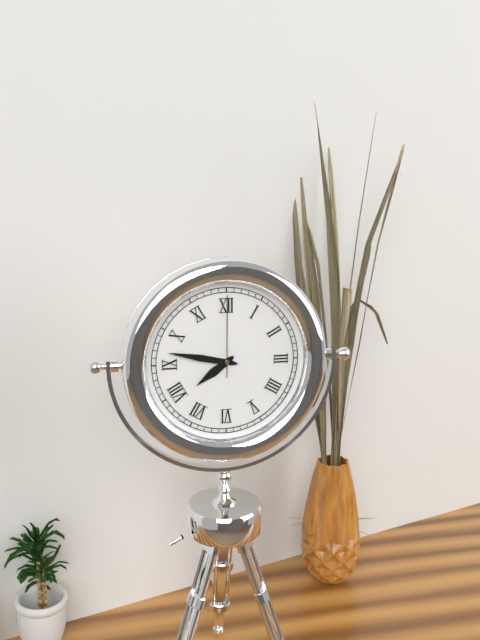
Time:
7.47.00
